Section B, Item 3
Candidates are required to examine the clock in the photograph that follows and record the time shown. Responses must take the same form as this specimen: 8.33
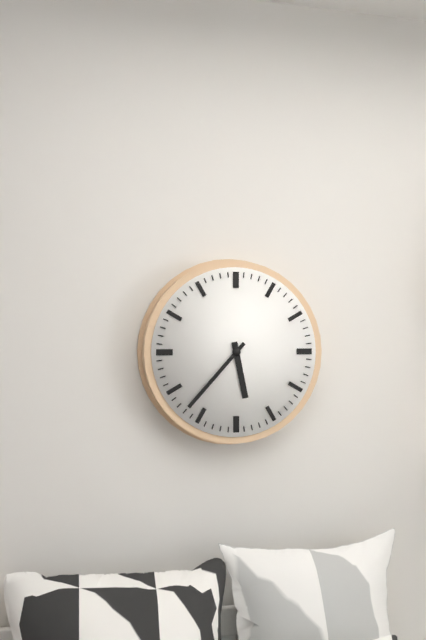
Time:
5.37
